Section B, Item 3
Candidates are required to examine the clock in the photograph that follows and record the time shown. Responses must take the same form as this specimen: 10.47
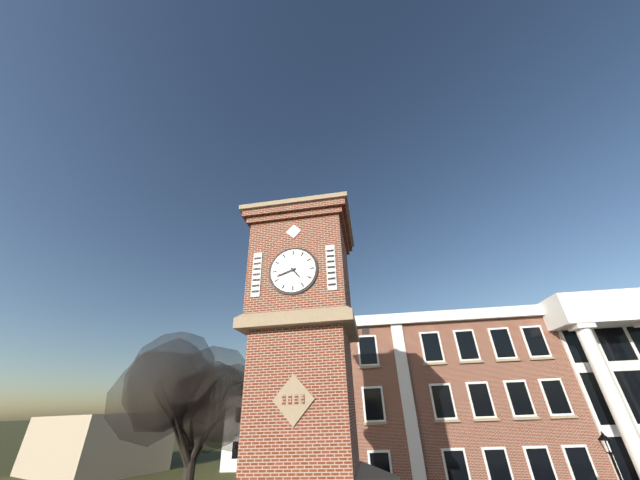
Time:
4.42
